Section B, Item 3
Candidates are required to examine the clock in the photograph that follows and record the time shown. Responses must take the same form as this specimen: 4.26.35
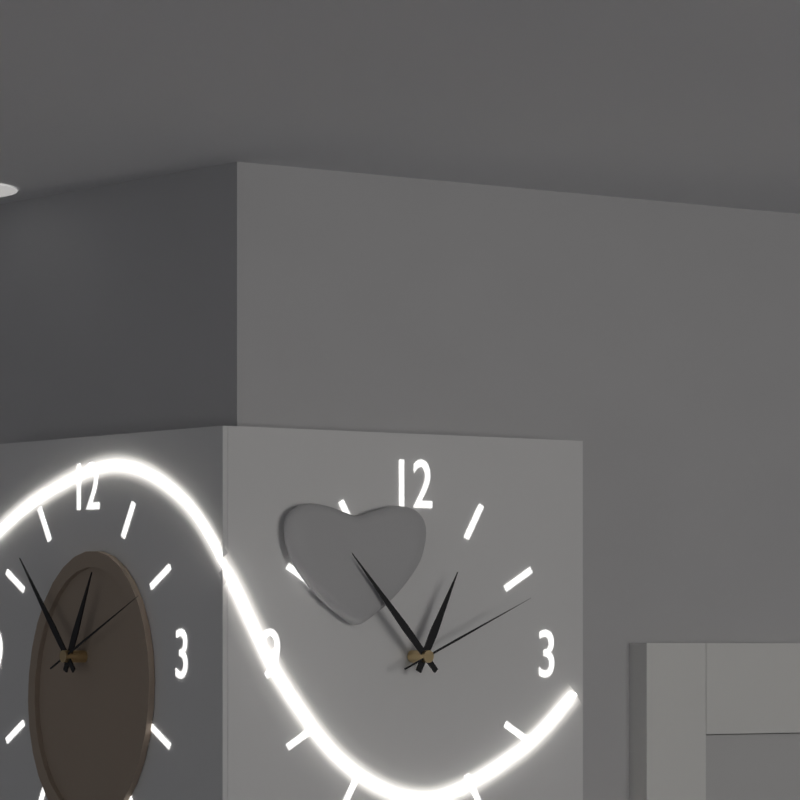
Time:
12.53.11
